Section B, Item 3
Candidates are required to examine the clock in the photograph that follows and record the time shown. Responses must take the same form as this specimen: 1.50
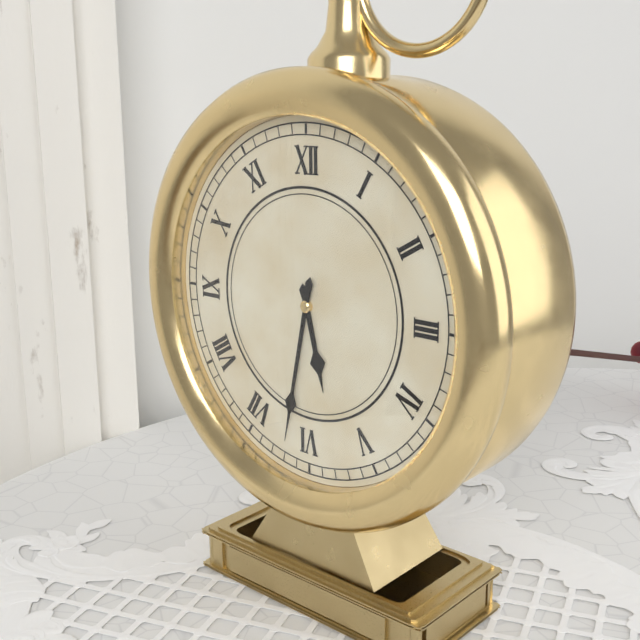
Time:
5.32
